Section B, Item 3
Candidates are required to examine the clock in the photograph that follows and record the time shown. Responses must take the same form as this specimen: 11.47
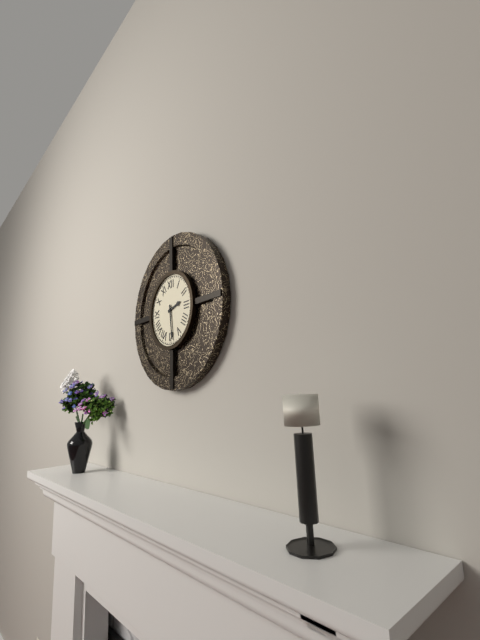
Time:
2.29
